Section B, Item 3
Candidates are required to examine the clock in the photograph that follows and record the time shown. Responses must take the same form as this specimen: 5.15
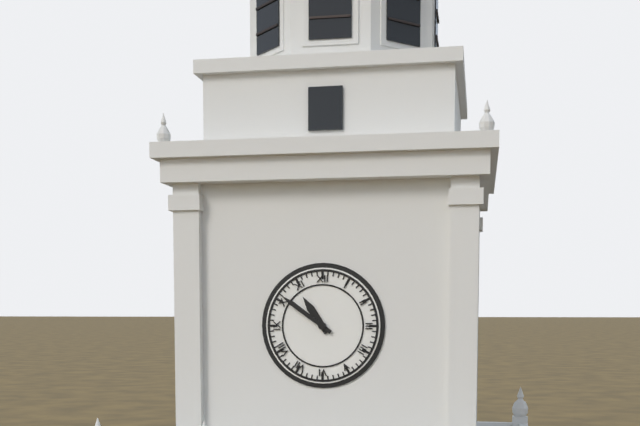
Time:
10.51
